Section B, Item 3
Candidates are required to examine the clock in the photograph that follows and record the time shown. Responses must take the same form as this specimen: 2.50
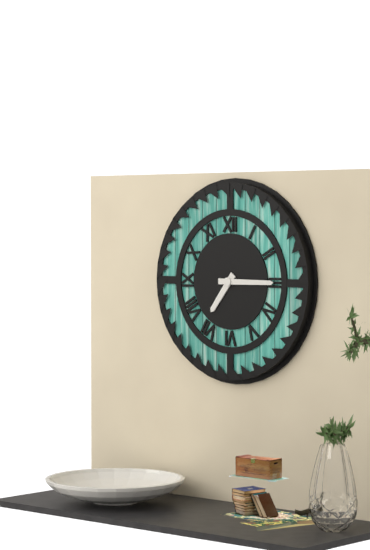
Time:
7.15
